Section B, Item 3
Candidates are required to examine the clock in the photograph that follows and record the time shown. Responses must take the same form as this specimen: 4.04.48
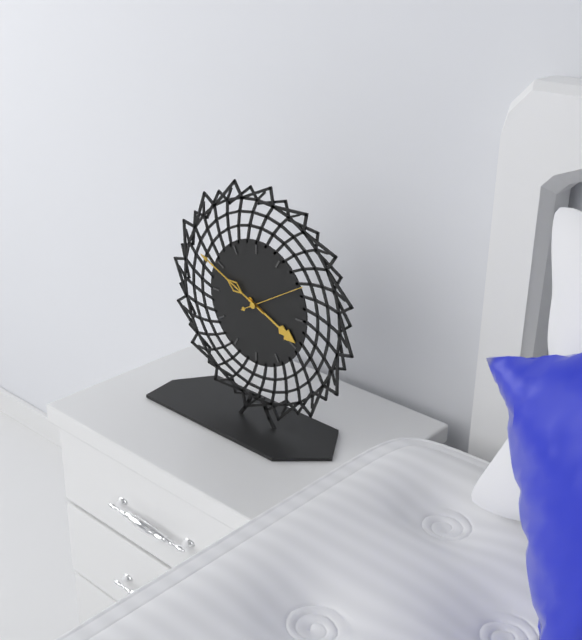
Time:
3.49.10
